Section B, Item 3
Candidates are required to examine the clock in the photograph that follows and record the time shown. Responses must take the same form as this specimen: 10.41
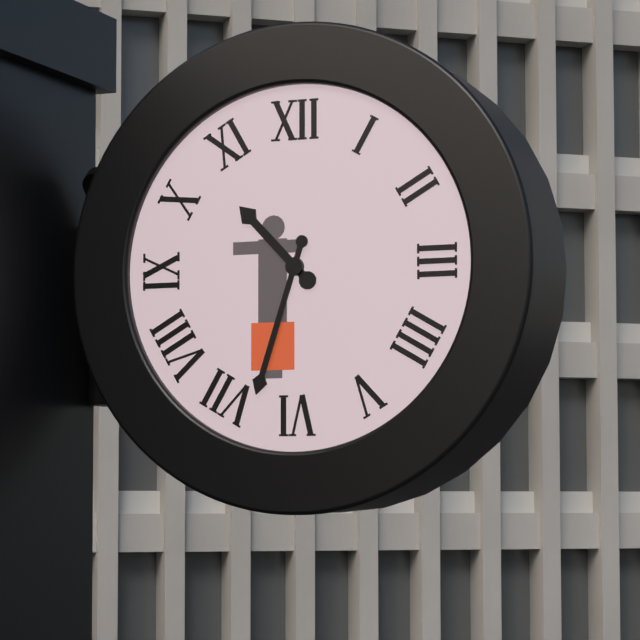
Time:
10.33
